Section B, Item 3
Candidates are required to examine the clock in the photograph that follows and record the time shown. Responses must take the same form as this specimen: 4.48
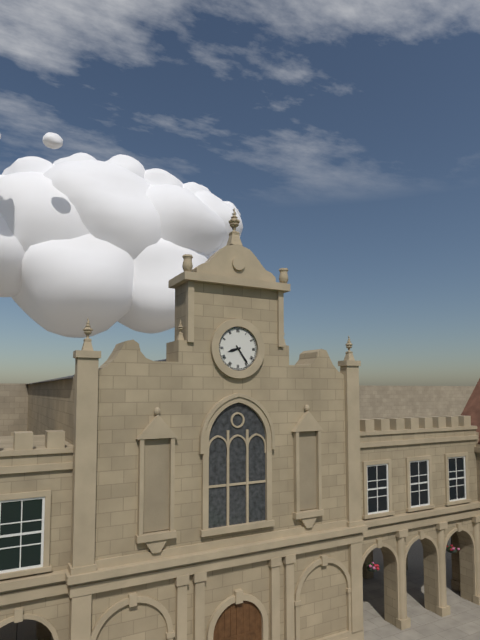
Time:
8.24
